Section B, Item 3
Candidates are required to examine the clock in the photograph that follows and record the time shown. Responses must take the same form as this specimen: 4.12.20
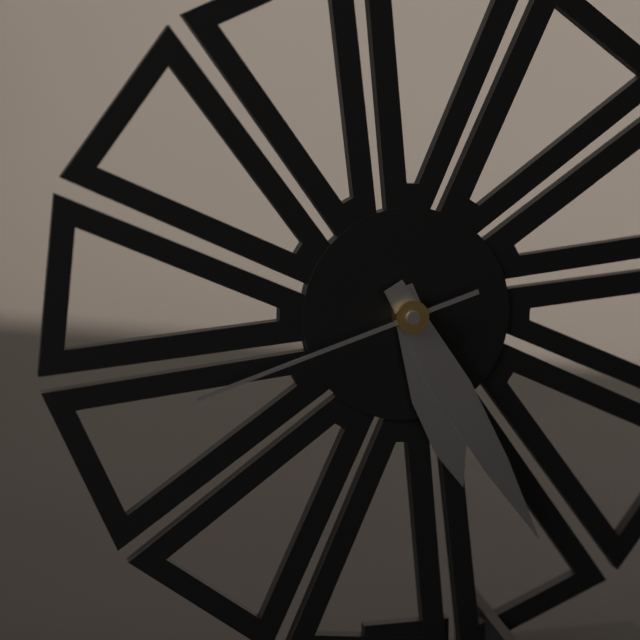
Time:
5.25.42
